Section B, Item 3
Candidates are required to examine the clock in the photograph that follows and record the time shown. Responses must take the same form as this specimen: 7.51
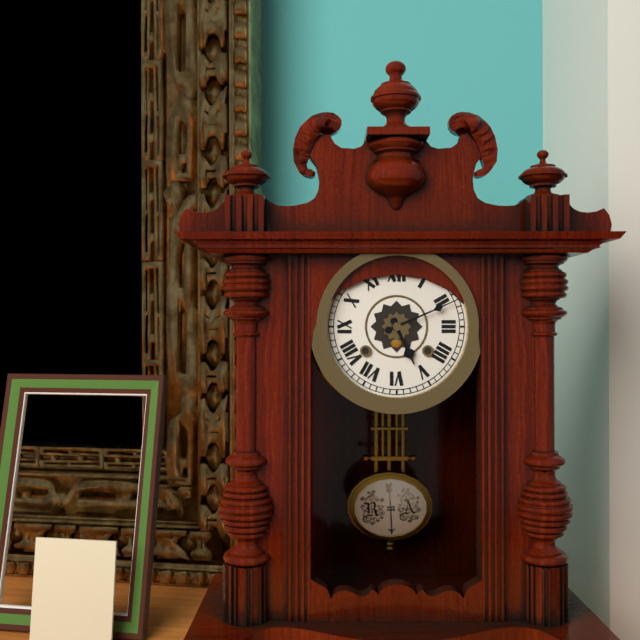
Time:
5.11
